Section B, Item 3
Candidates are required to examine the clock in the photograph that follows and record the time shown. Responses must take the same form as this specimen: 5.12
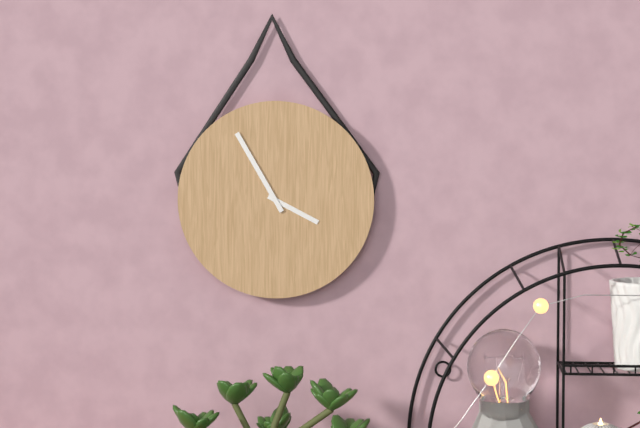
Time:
3.55
